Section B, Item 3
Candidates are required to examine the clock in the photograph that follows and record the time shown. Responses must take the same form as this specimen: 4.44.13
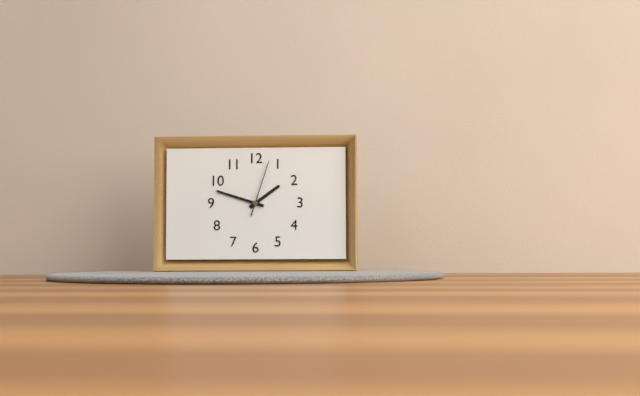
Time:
1.48.03
